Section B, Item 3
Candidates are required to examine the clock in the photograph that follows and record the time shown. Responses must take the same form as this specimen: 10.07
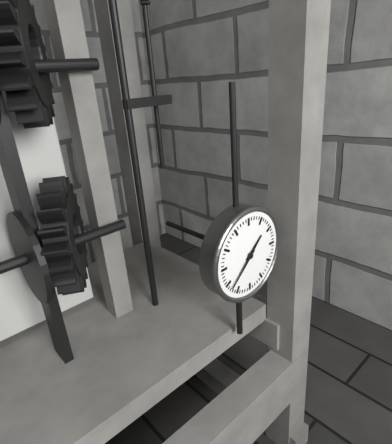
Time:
1.38
